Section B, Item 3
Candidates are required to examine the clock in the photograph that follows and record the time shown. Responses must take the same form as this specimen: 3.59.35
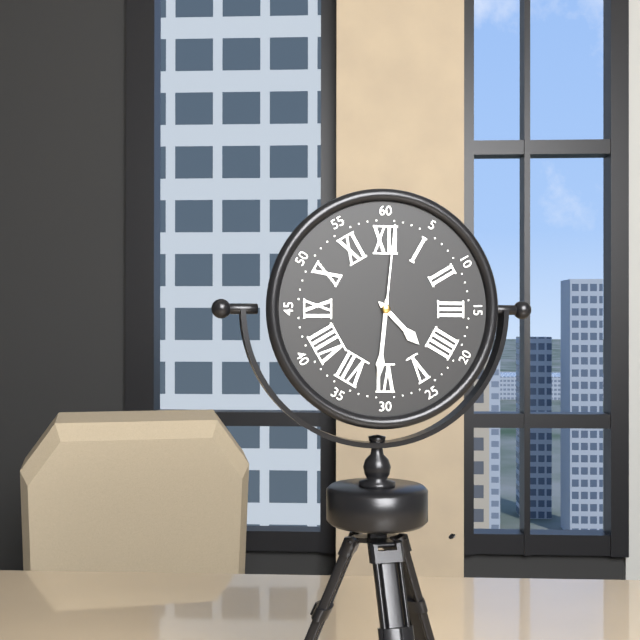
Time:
4.31.01
